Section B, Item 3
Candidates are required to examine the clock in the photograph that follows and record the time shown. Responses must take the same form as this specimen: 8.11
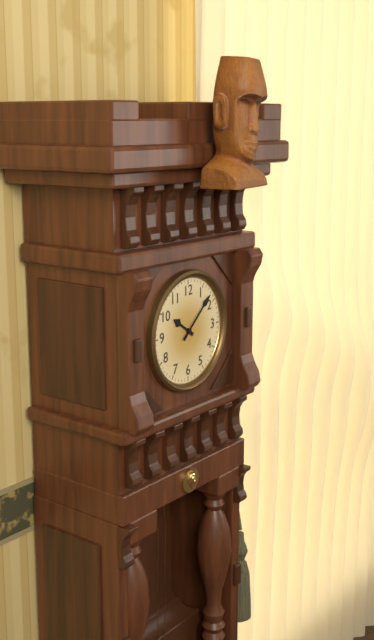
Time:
10.08
